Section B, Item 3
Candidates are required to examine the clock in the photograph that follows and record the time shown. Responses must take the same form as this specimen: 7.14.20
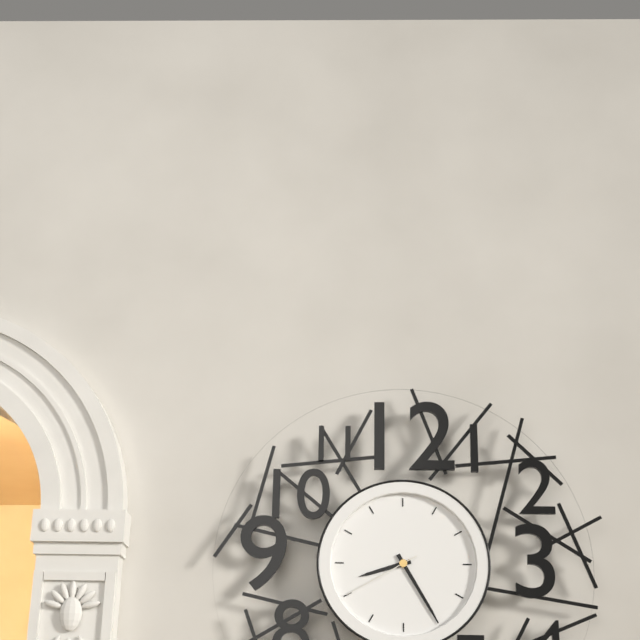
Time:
8.25.40
